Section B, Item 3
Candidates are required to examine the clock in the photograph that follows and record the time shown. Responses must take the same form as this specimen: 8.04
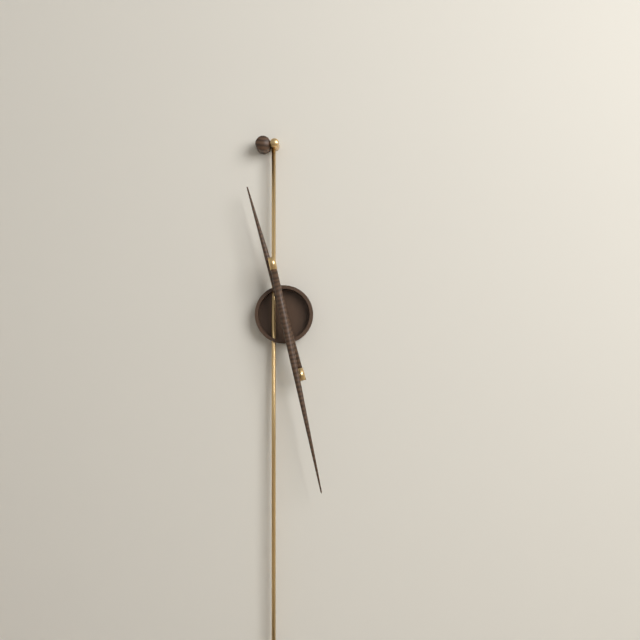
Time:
11.28
